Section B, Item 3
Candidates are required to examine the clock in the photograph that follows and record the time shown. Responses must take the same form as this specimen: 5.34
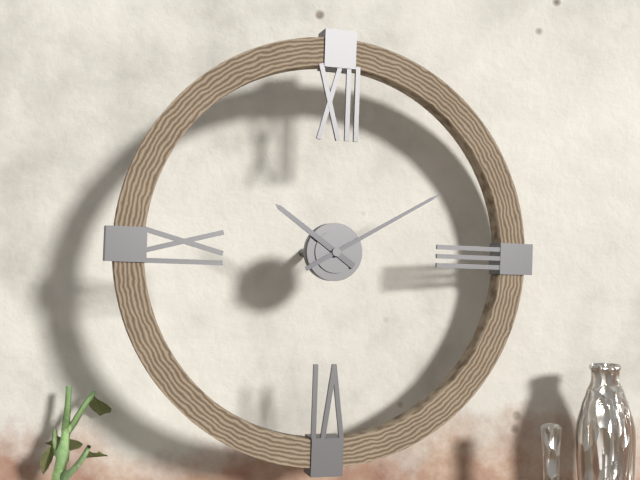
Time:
10.10
